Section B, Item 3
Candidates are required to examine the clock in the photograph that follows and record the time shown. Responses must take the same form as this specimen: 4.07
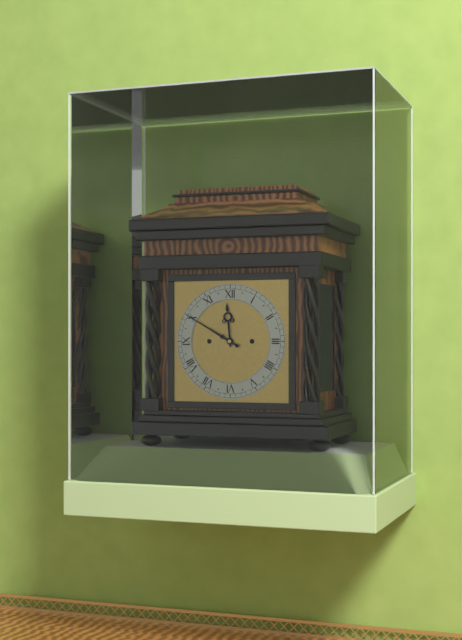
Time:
11.50
